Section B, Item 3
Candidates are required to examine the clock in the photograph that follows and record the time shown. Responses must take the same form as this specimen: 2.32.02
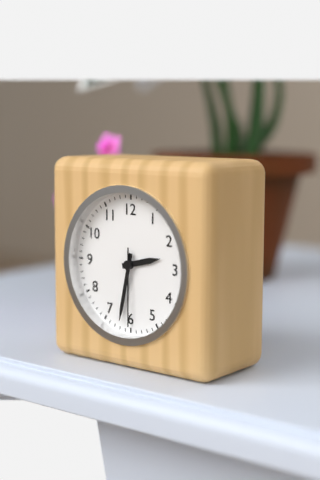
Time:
2.32.30
